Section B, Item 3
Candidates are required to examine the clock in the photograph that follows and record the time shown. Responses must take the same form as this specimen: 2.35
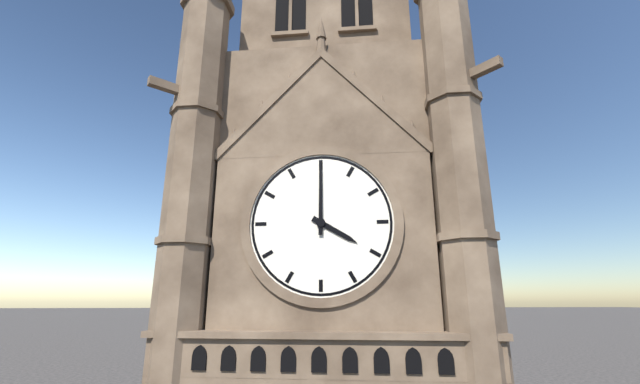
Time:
4.00
